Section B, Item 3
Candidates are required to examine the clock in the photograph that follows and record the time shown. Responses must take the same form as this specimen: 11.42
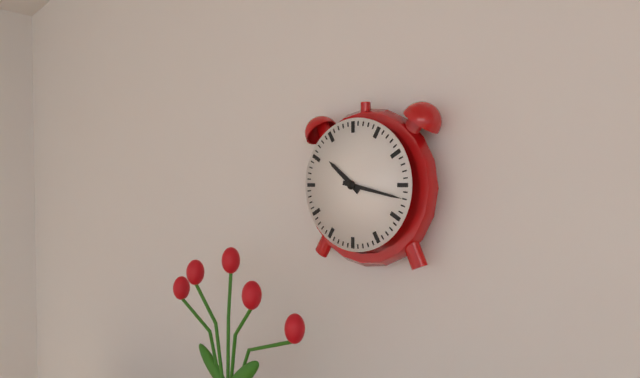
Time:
10.17
